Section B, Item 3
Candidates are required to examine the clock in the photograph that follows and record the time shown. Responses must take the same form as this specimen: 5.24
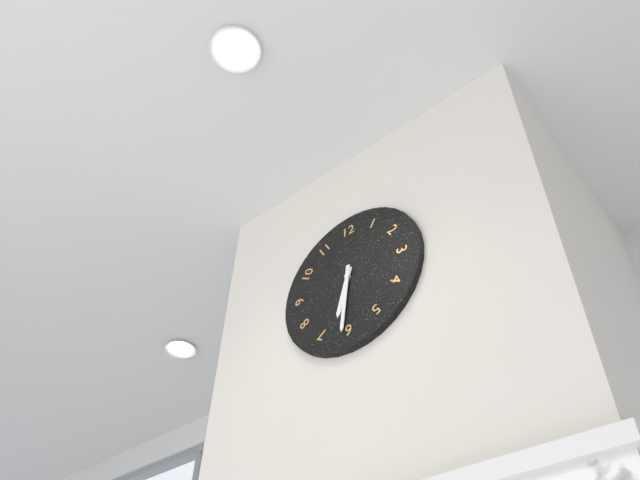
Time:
6.31
